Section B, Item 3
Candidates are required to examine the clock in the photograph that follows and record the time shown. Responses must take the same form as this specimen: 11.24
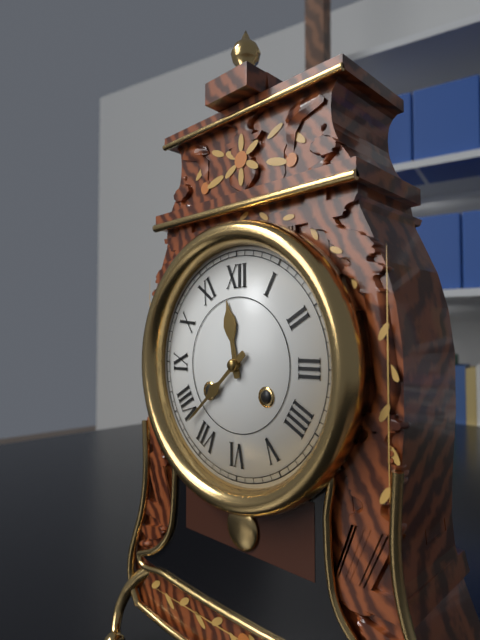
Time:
11.38
